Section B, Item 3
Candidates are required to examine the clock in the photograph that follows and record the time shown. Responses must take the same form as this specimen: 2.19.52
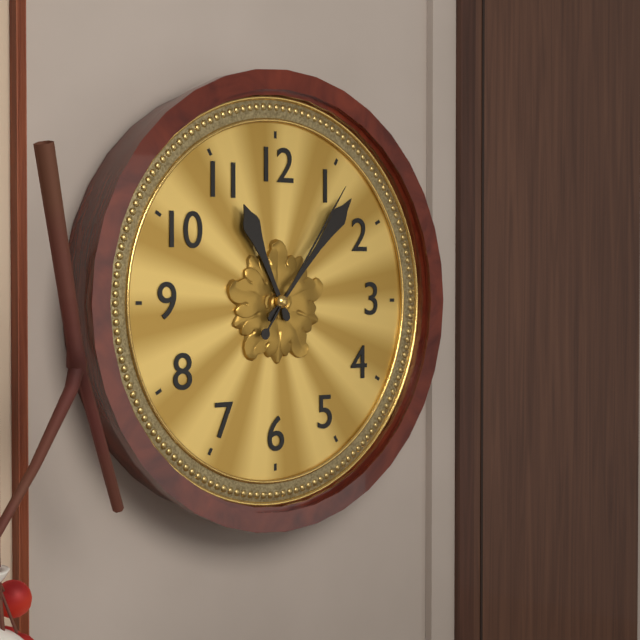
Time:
11.07.06
